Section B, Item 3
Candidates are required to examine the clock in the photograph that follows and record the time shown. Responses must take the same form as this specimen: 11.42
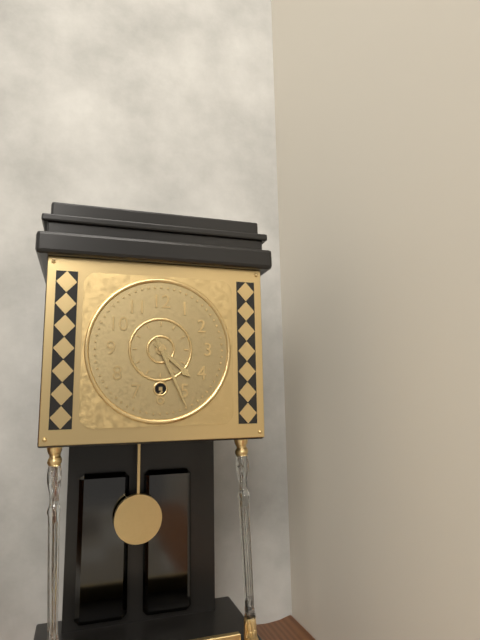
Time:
4.26
